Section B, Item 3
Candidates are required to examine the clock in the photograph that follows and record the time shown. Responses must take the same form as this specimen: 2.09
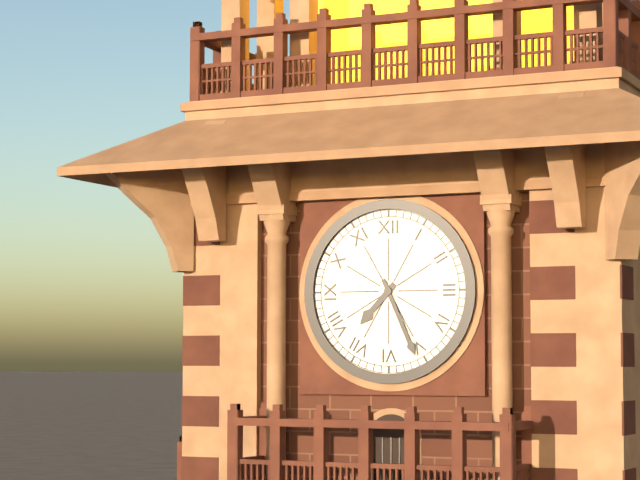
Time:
7.26
